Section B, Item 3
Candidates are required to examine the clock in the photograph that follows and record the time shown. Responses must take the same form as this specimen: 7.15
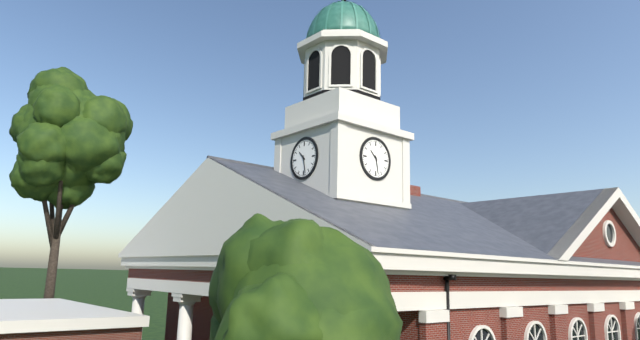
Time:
10.28
